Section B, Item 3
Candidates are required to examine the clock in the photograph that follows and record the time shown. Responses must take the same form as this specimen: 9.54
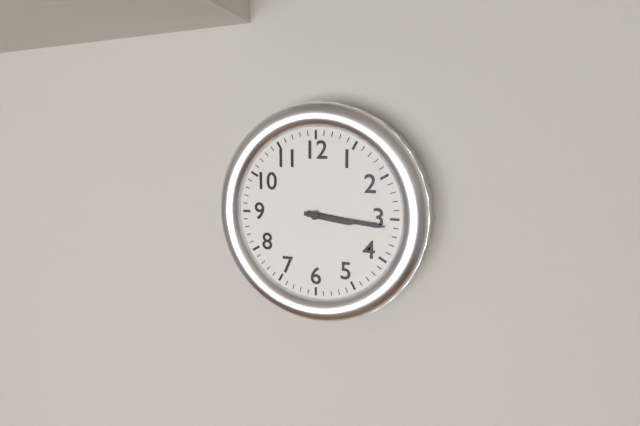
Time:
3.16
